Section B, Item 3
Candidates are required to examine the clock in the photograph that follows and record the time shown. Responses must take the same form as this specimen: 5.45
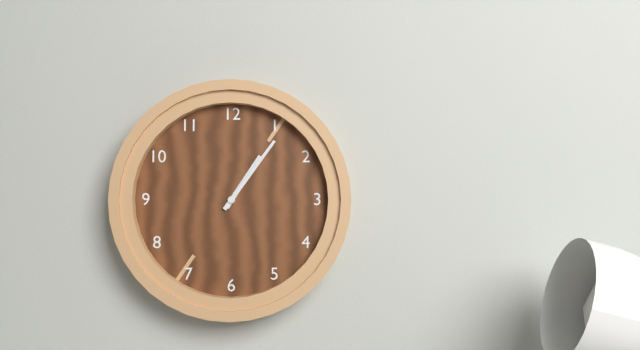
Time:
1.06
